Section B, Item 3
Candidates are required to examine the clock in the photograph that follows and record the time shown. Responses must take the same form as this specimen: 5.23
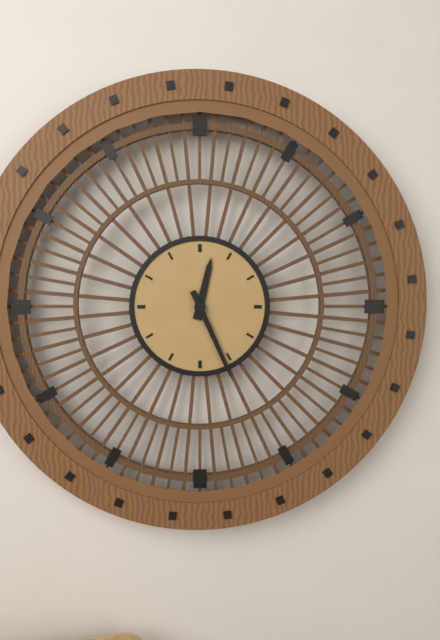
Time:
12.26
